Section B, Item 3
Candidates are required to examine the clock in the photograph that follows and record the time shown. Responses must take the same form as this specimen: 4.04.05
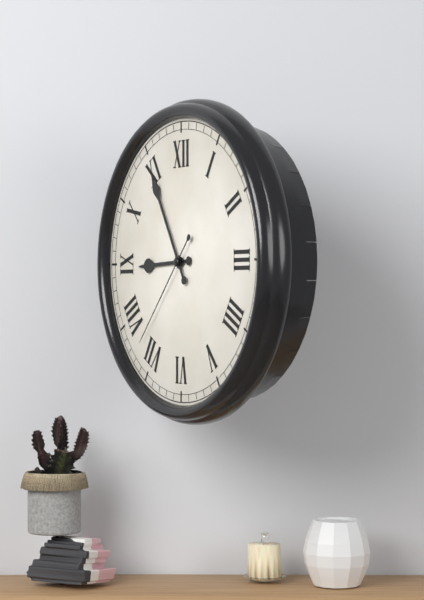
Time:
8.55.37
